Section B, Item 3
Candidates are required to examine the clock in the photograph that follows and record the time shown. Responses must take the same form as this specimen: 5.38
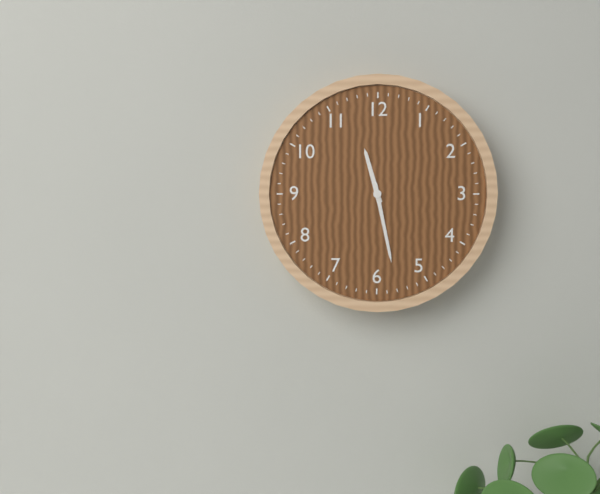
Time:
11.28
